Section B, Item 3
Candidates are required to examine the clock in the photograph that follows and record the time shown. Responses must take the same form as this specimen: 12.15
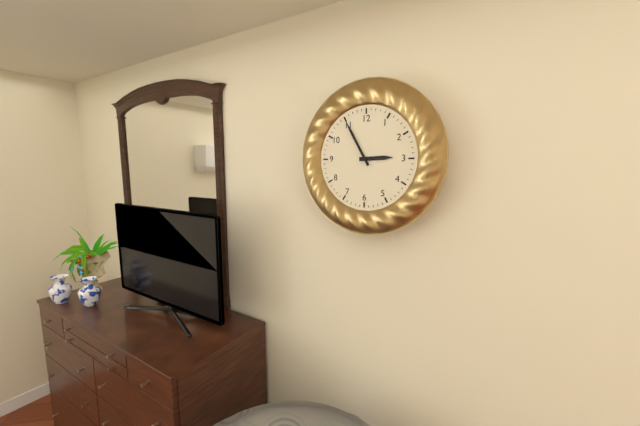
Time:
2.55
